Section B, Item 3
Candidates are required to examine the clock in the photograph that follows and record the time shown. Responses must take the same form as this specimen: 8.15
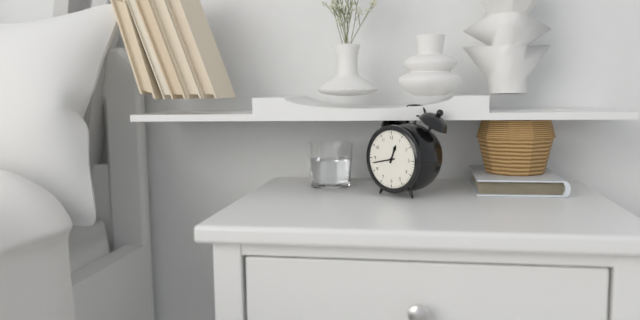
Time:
12.43
